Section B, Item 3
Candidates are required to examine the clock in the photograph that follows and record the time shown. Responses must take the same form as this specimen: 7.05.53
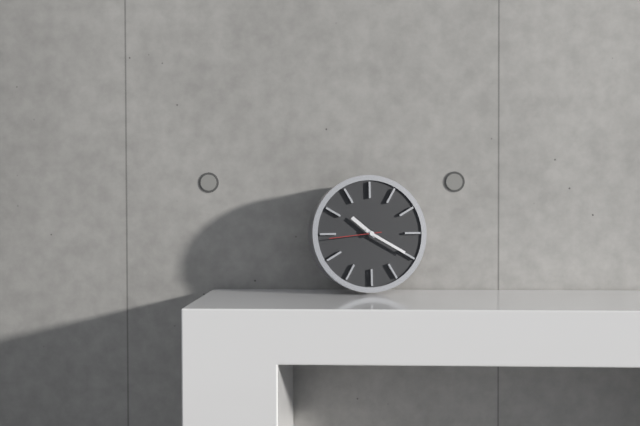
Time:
10.20.44
